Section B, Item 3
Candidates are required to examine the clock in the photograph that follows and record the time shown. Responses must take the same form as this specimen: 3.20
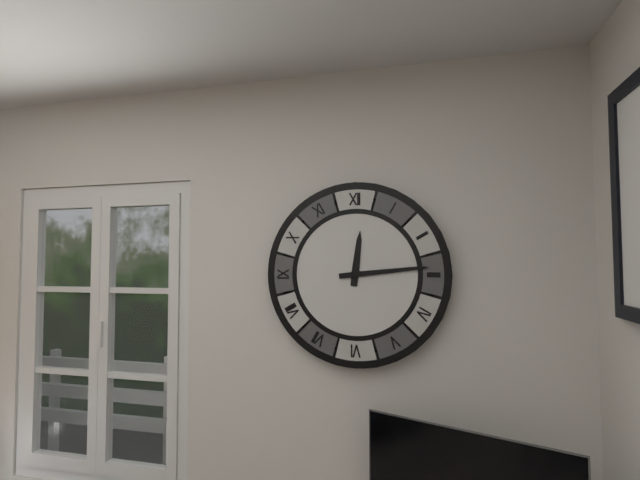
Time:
12.14
